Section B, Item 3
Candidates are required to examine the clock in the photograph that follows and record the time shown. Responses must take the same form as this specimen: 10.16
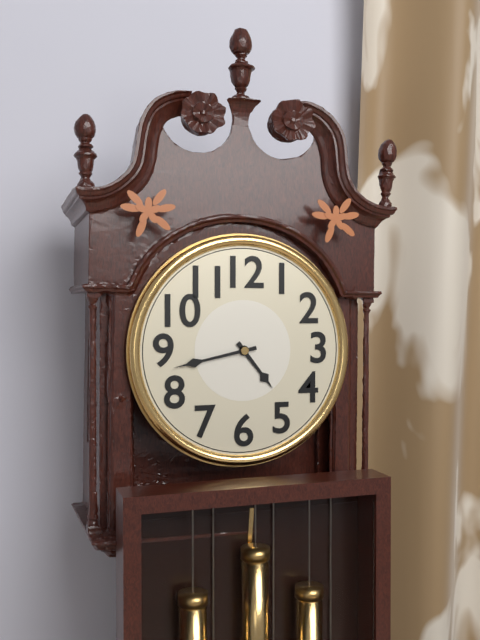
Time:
4.43
